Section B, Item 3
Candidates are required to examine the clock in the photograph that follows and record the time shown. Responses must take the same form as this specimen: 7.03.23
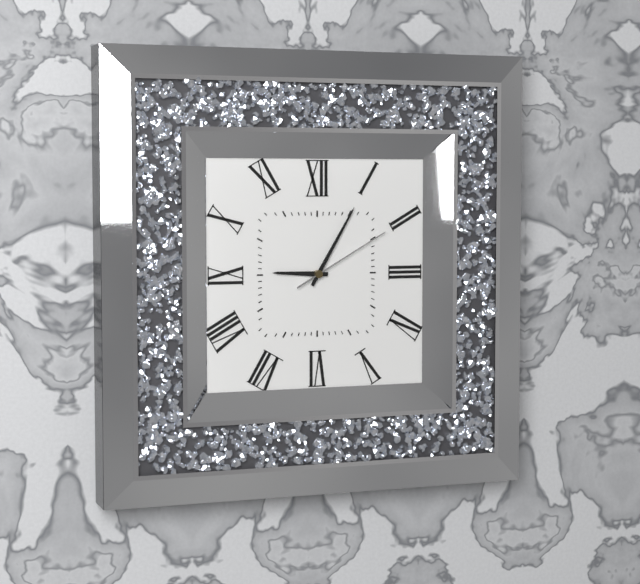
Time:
9.05.10
